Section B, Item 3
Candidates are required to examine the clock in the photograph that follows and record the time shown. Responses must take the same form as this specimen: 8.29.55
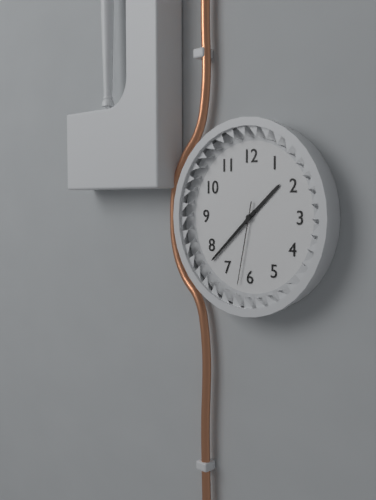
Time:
1.38.32
